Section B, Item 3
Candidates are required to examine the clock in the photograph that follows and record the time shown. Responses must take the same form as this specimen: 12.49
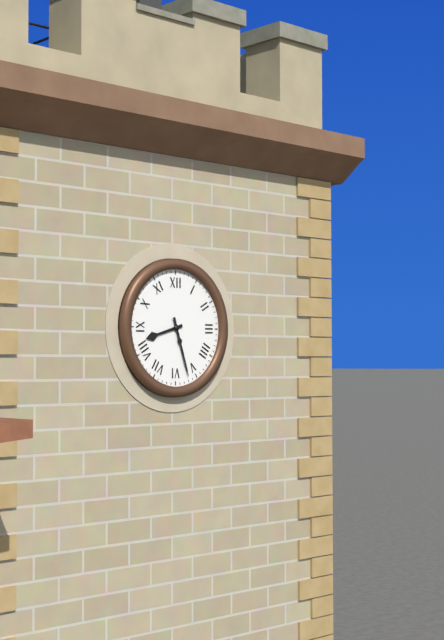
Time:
8.27
